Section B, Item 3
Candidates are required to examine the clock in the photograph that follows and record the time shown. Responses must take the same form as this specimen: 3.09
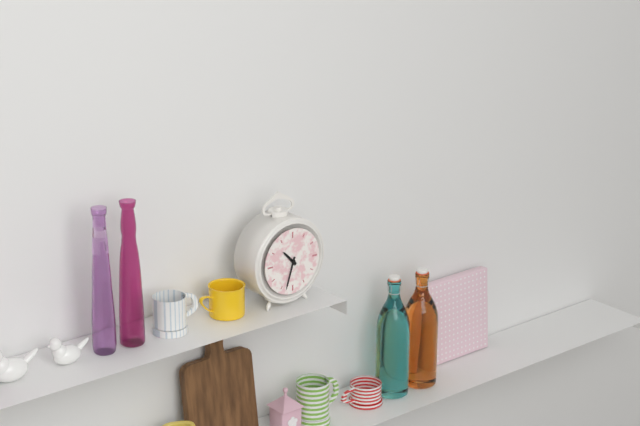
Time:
10.33
